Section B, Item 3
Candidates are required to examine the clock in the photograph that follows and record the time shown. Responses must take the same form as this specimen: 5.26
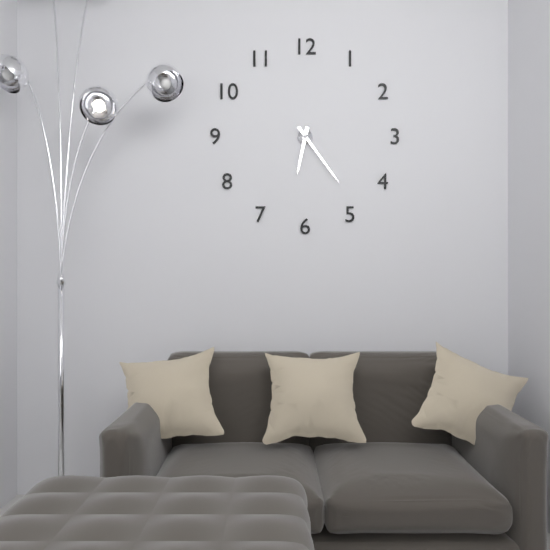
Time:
6.24
